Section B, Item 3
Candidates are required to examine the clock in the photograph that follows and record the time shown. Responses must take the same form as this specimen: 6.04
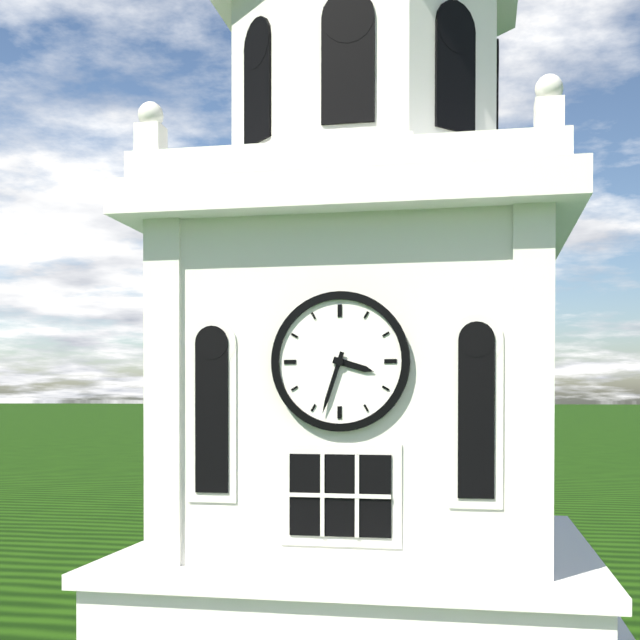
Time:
3.33
